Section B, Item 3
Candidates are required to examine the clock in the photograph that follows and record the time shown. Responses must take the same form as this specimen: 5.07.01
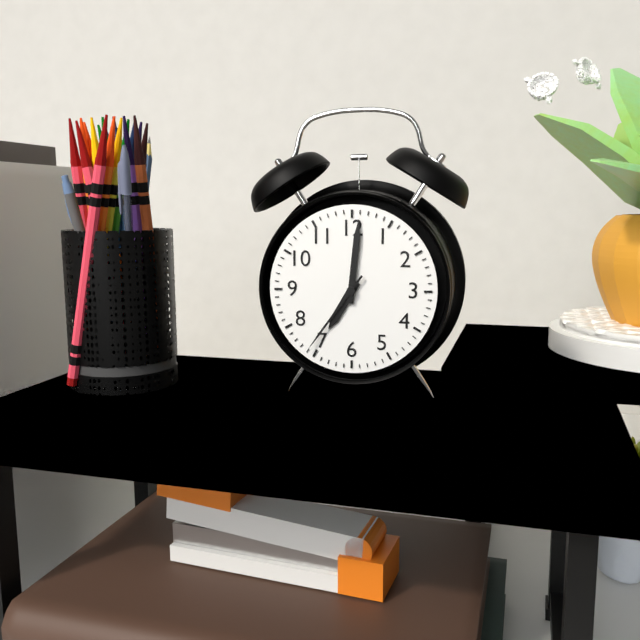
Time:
7.01.36
